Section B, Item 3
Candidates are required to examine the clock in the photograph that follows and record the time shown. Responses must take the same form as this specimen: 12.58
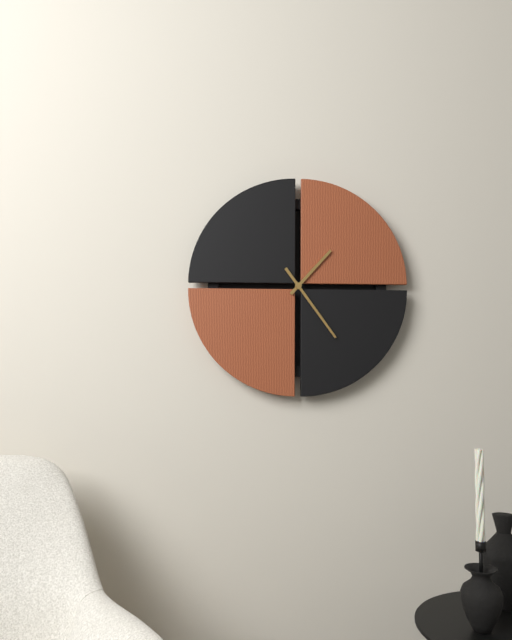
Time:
1.24
